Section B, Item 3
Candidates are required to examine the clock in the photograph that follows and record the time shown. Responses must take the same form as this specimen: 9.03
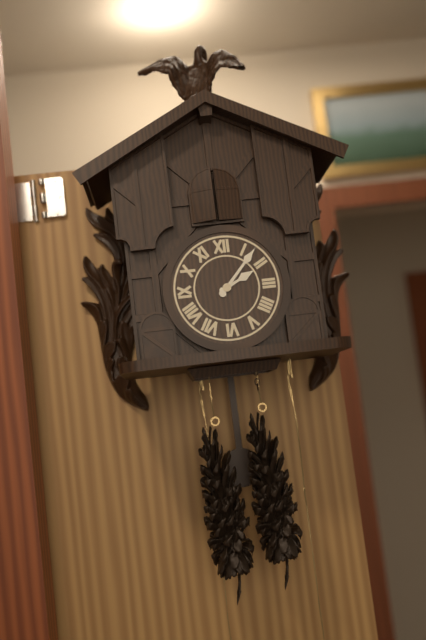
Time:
2.07
